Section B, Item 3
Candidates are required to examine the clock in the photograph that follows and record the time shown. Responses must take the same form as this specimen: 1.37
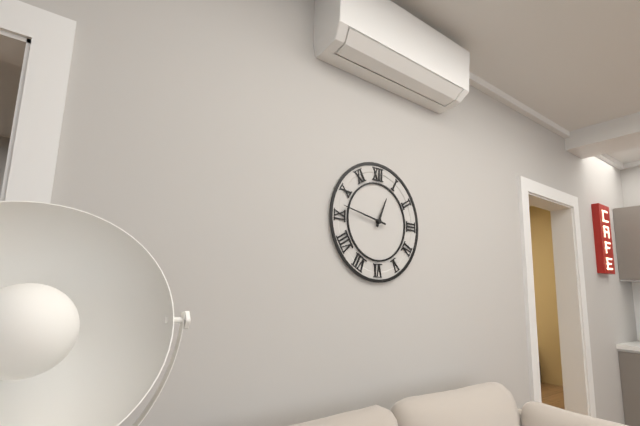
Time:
12.47
